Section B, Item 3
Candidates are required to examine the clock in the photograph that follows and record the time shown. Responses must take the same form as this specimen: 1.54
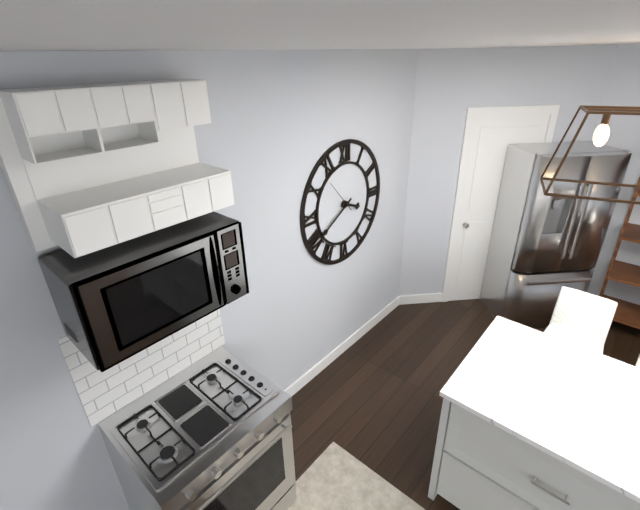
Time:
3.40
